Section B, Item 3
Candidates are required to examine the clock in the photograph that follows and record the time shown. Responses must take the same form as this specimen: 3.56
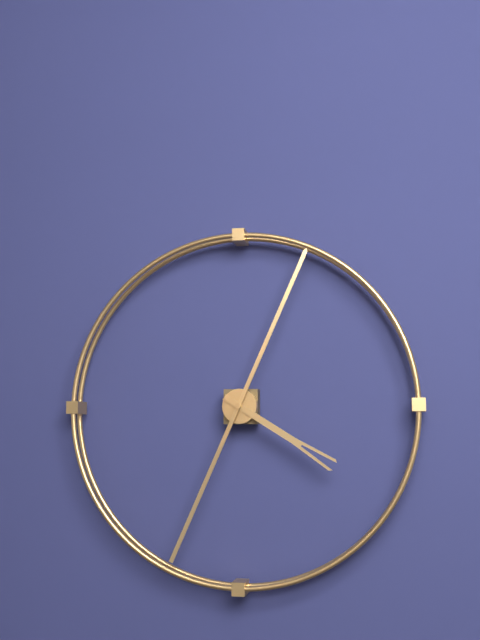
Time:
4.04
